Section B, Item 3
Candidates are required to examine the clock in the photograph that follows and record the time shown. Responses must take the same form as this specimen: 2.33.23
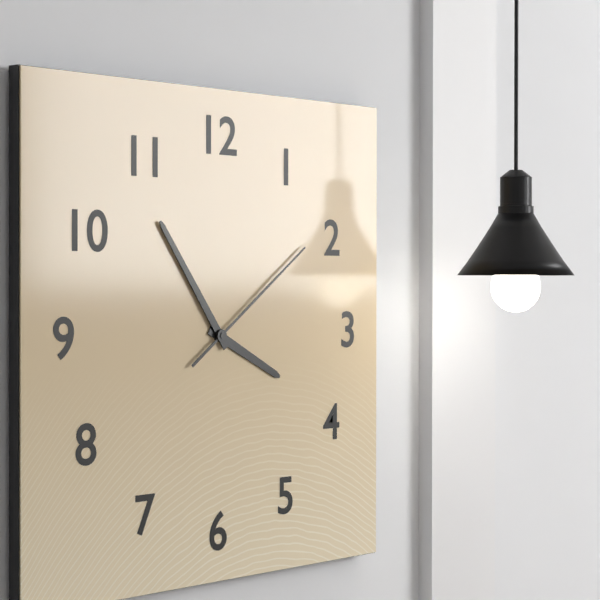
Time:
3.54.09
